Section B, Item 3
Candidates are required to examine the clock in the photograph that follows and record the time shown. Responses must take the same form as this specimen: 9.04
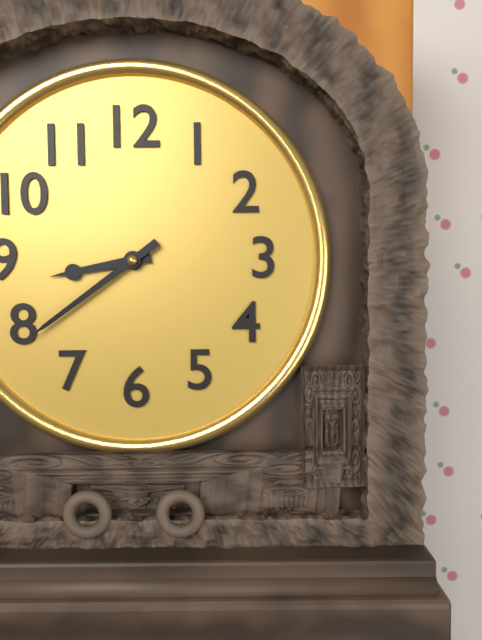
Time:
8.39
